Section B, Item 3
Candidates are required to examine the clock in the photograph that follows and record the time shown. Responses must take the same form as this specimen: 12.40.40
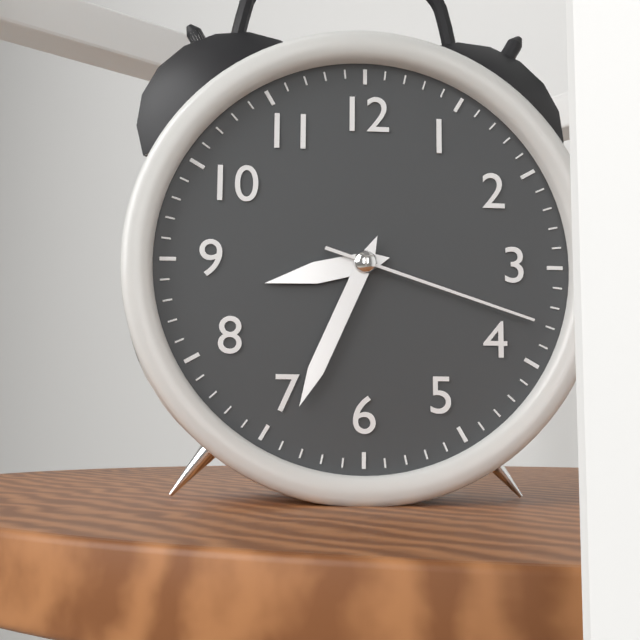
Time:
8.34.18
